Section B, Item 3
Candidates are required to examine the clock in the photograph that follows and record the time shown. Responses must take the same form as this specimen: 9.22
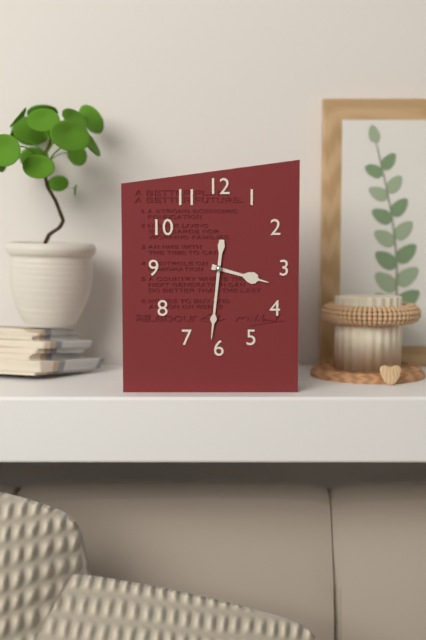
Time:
3.31
